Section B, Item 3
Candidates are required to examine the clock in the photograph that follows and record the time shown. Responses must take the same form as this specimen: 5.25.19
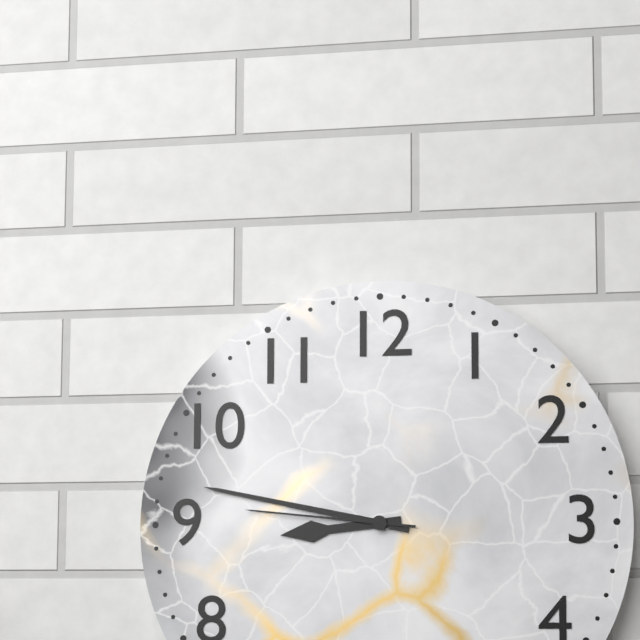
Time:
8.47.46
